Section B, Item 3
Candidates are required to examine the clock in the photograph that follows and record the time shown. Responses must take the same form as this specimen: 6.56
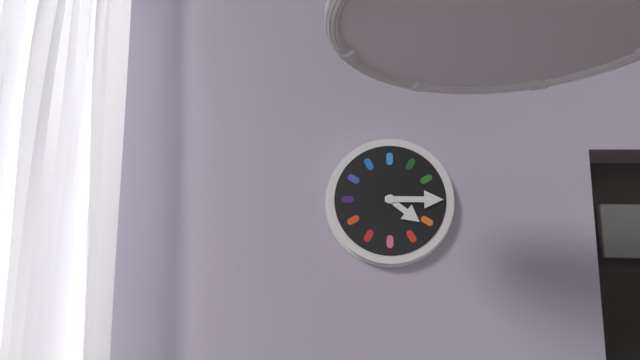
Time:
4.15
